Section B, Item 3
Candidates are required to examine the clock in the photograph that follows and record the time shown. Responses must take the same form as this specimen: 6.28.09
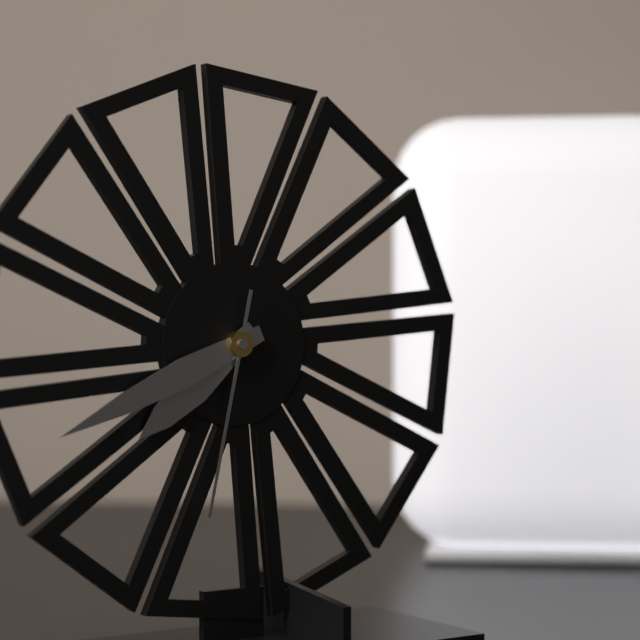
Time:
7.41.32
